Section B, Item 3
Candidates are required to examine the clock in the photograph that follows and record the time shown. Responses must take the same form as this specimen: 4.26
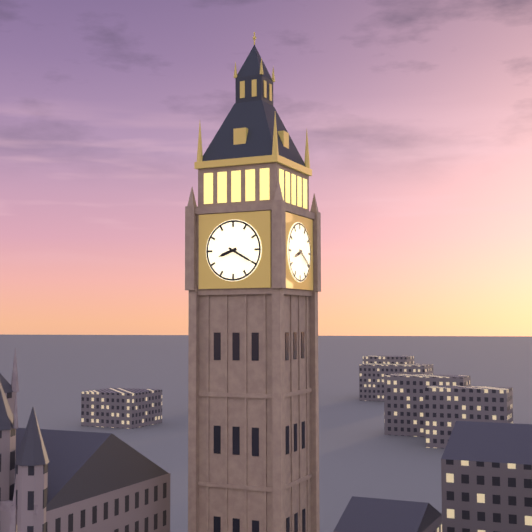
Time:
8.20
